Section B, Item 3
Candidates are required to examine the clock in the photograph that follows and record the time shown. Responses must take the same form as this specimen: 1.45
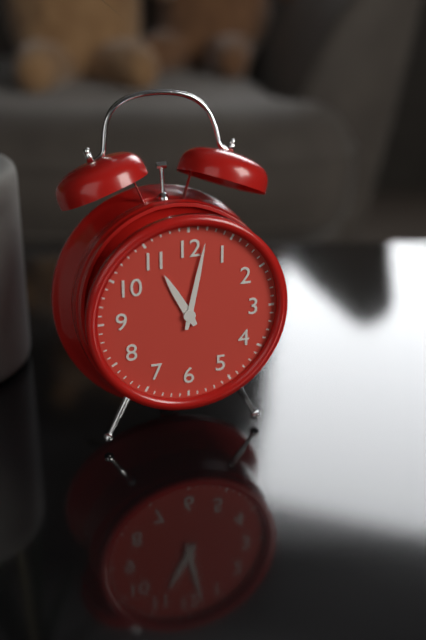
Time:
11.02
